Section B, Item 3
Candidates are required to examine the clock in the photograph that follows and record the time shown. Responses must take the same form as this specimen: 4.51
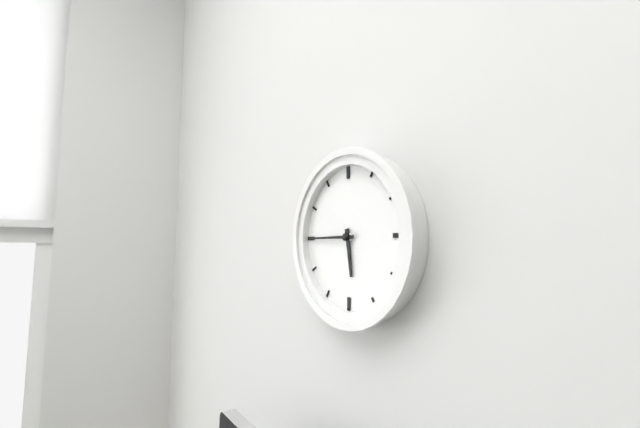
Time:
5.45
